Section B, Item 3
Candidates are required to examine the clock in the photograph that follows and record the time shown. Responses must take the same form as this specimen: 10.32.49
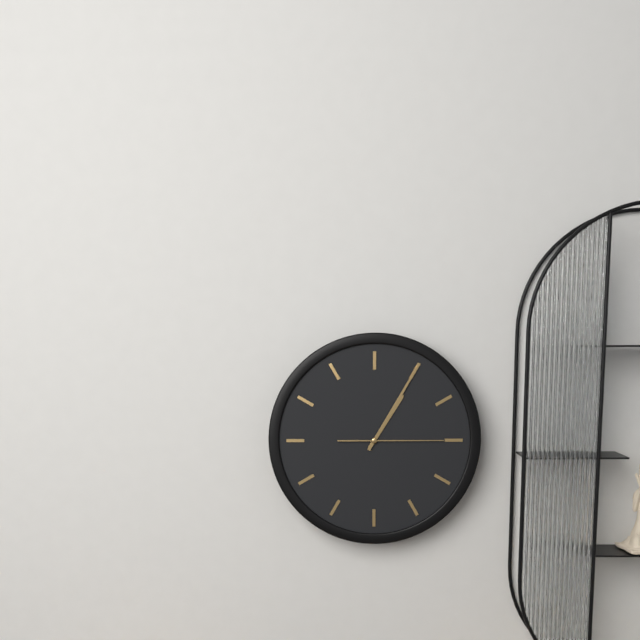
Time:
1.05.15
